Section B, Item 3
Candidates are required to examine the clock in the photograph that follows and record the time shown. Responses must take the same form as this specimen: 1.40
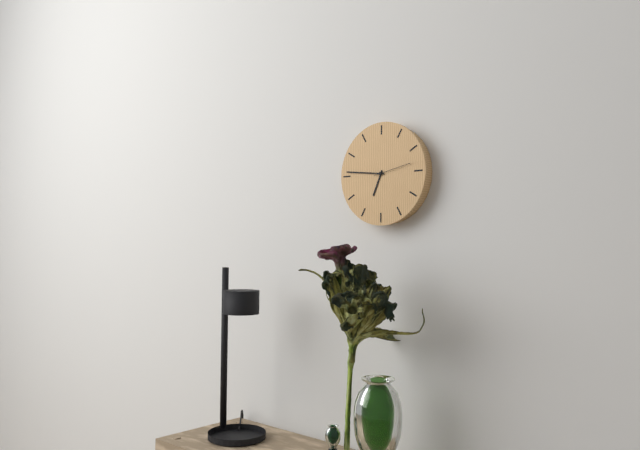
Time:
6.46
